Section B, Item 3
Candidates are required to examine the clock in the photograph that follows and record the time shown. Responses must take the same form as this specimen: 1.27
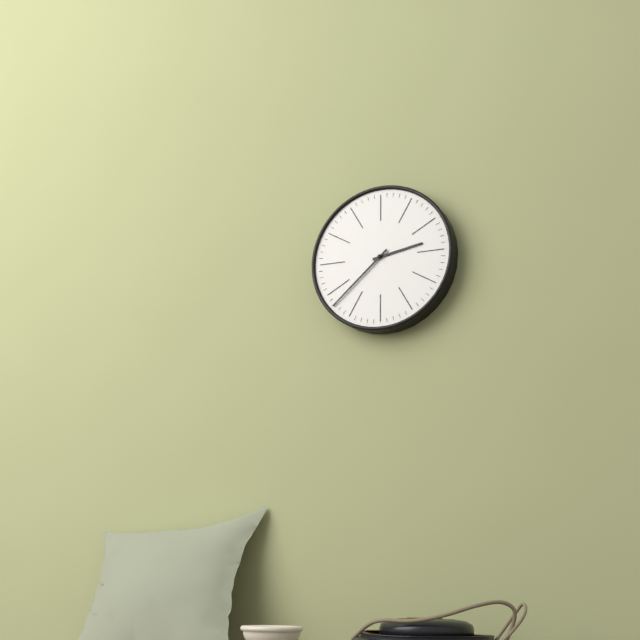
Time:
2.38
